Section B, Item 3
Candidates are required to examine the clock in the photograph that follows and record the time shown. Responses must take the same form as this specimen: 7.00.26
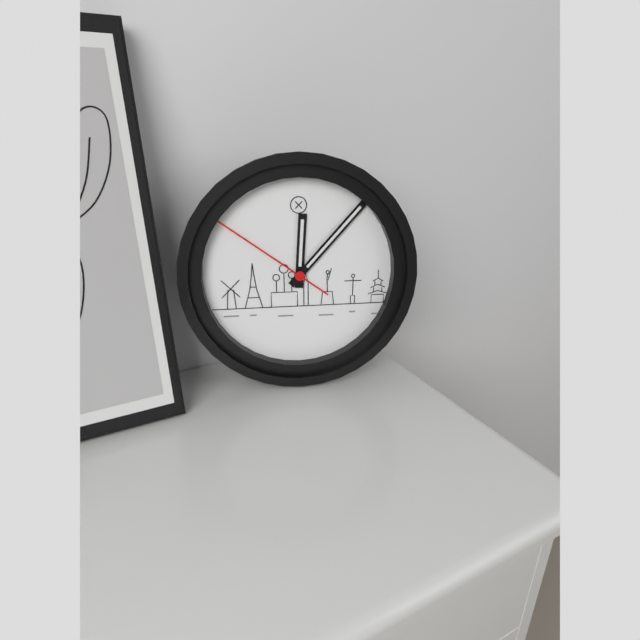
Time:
12.07.51
